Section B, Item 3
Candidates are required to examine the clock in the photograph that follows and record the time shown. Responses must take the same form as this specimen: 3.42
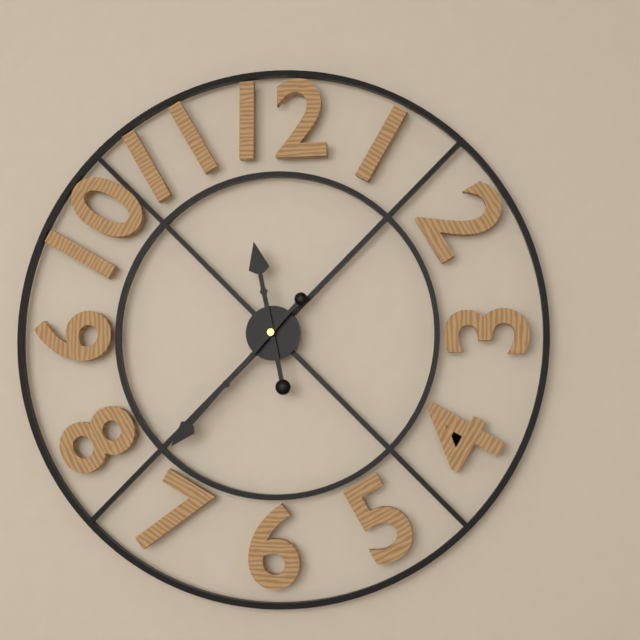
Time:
11.37
